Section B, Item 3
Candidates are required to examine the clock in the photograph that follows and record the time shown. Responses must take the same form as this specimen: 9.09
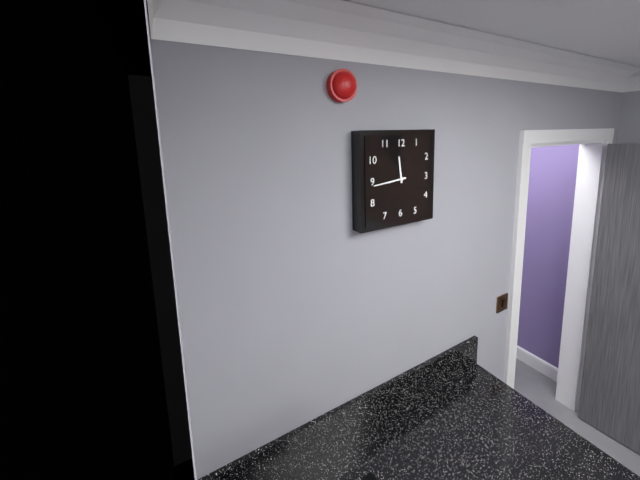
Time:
11.44
